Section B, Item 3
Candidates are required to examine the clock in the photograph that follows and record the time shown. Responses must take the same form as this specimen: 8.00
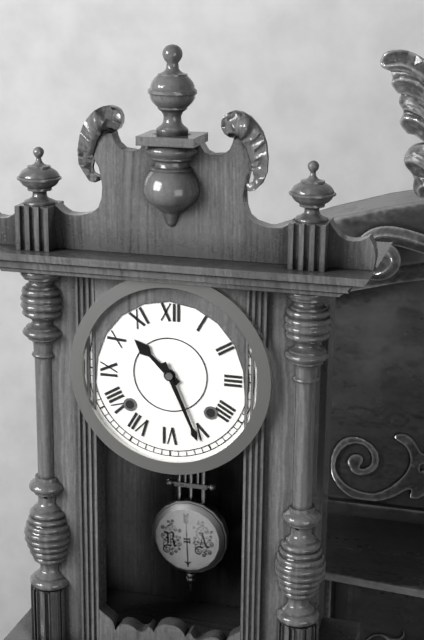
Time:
10.26
